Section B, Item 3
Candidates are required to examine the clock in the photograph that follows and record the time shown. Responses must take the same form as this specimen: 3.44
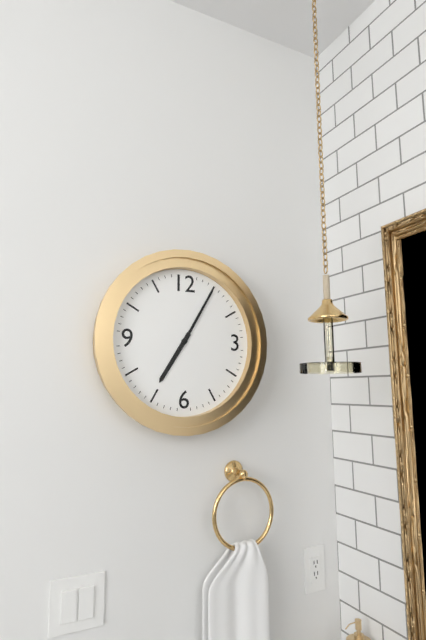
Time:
7.05
